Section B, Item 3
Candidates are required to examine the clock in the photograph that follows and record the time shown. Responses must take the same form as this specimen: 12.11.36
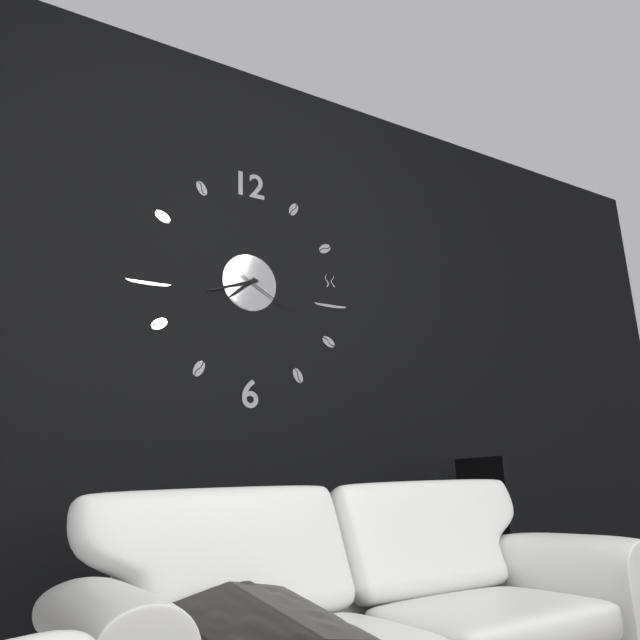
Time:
7.42.20
